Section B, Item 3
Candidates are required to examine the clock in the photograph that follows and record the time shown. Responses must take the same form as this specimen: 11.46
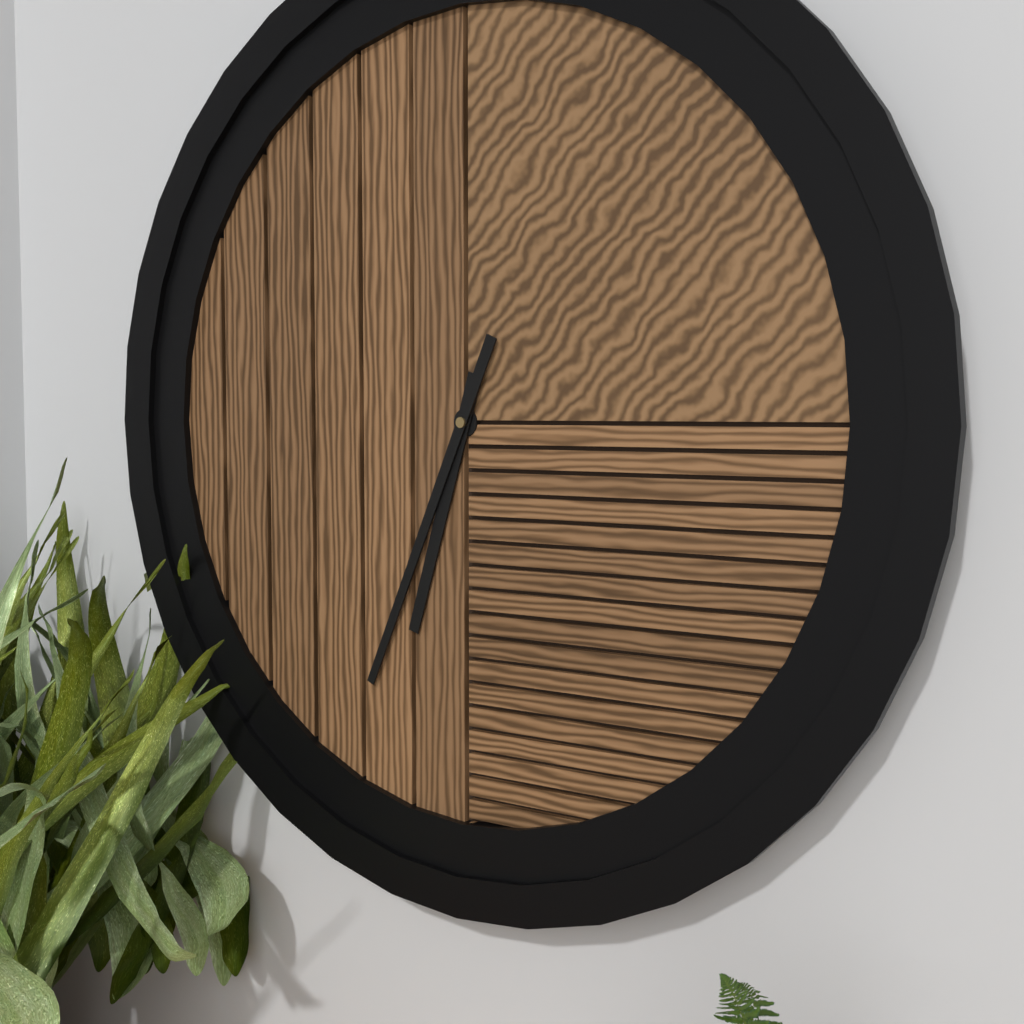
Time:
6.34
